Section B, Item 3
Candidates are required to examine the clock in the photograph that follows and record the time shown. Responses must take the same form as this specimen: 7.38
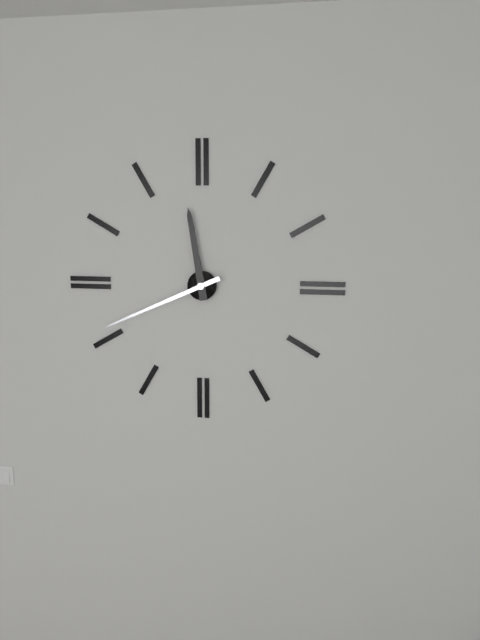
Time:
11.41
